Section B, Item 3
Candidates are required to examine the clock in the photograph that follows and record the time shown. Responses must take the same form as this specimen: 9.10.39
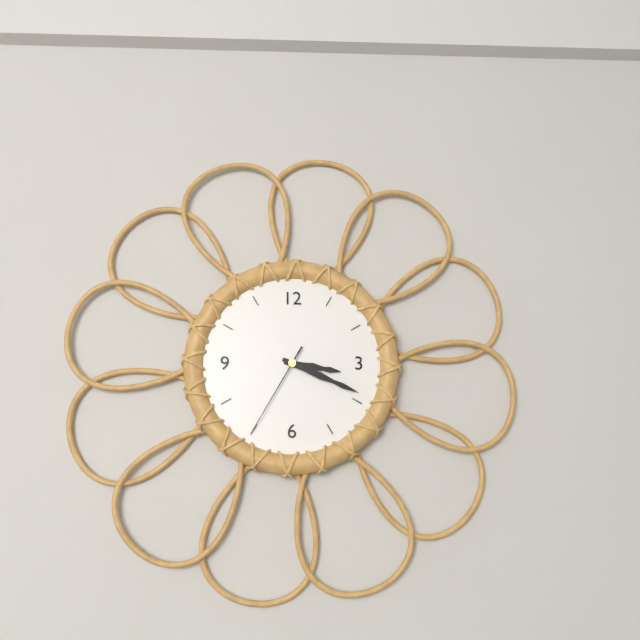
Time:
3.19.35
